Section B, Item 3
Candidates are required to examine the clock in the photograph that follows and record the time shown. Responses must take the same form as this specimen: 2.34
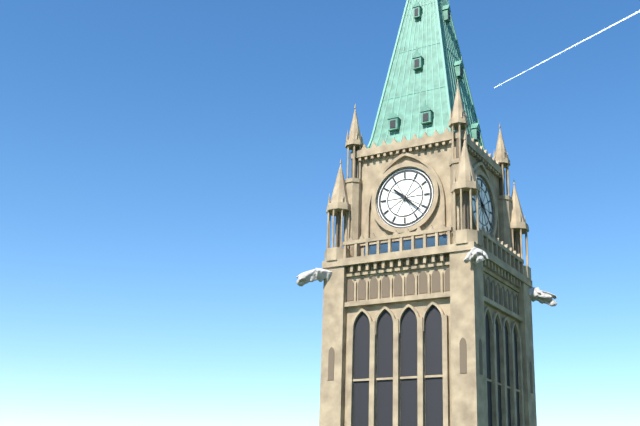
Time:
10.22
